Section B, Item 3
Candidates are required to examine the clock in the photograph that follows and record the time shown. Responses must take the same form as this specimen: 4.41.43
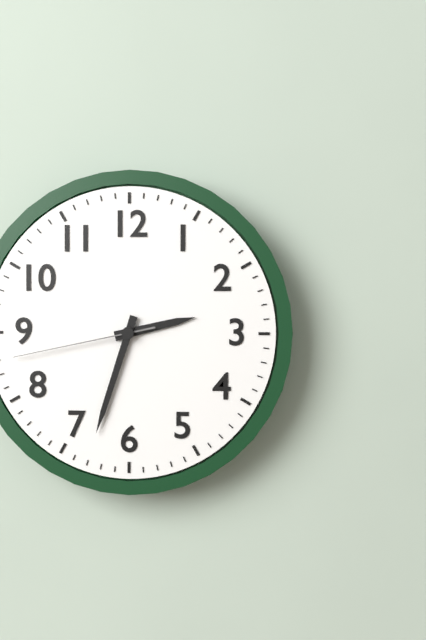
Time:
2.33.43
